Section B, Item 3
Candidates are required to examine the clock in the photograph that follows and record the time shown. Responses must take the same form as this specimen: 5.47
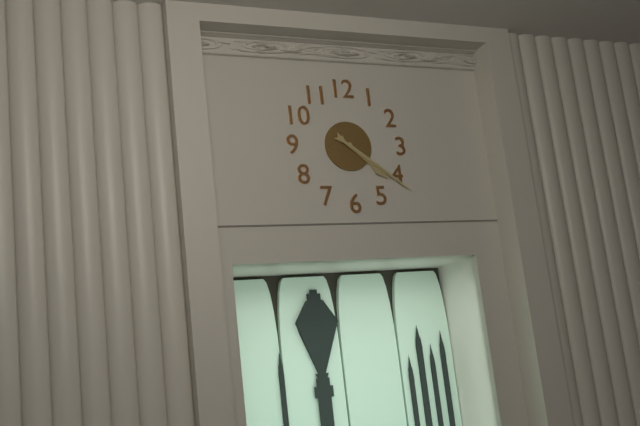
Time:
4.21
